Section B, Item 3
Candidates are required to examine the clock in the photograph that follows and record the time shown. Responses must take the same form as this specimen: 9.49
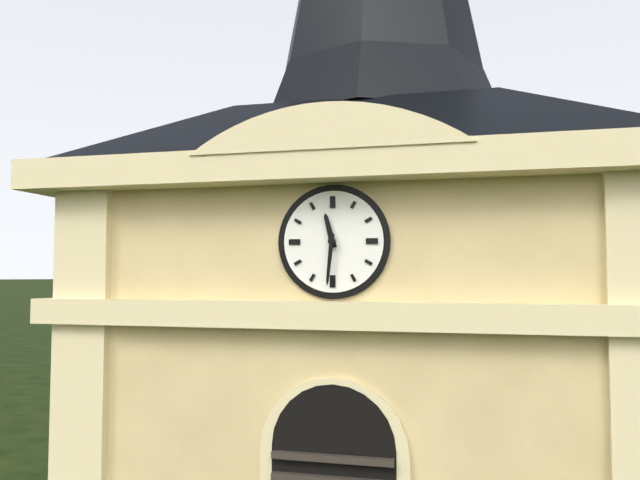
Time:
11.31
